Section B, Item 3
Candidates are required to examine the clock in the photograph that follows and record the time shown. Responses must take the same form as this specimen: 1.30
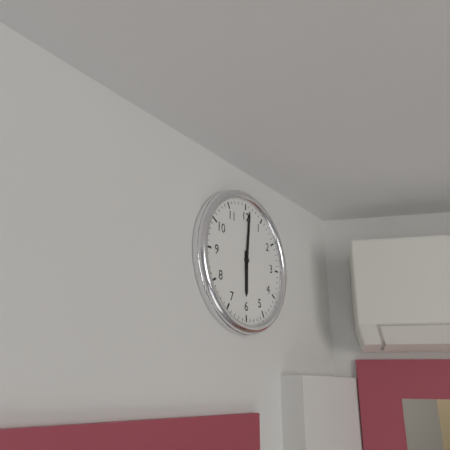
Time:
6.01
